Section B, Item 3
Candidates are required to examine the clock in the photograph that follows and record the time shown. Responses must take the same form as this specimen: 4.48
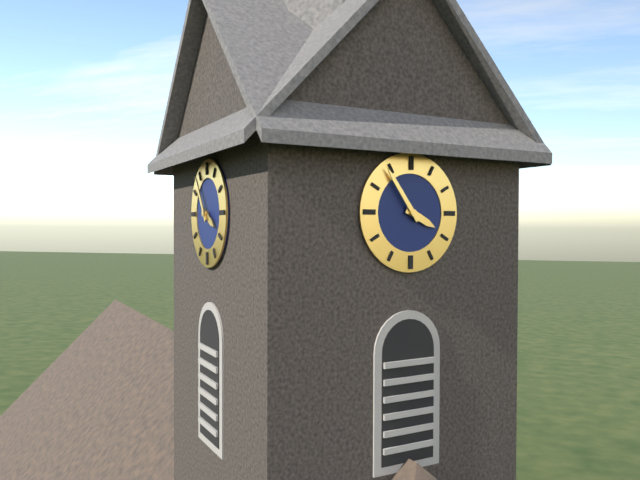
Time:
3.54
